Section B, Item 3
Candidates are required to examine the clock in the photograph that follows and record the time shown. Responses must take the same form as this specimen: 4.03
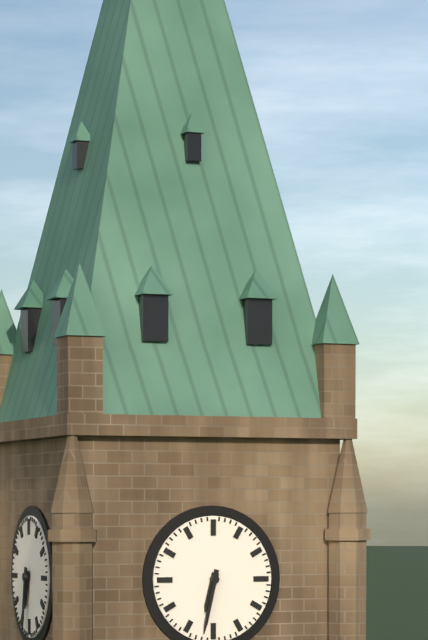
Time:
6.32
